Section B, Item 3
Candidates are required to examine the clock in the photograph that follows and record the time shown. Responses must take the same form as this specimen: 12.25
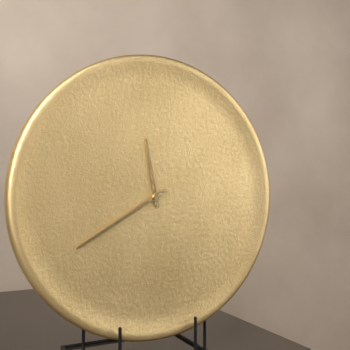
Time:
11.40
